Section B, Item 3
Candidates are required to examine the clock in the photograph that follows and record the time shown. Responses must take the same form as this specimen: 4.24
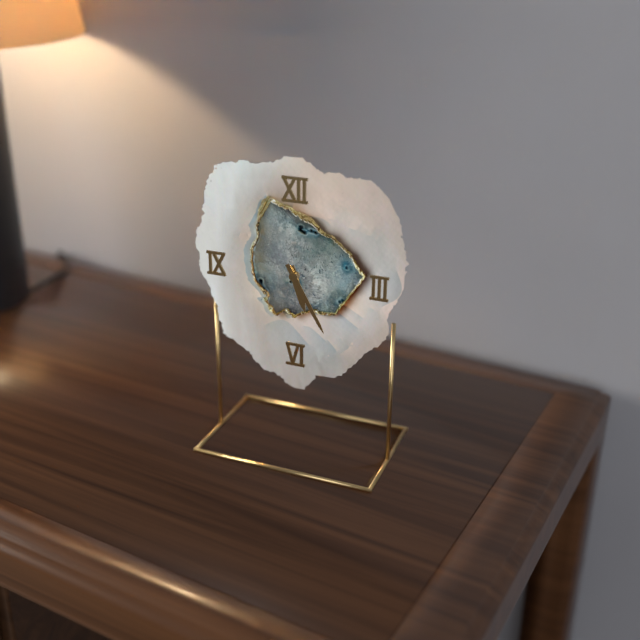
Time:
5.25
